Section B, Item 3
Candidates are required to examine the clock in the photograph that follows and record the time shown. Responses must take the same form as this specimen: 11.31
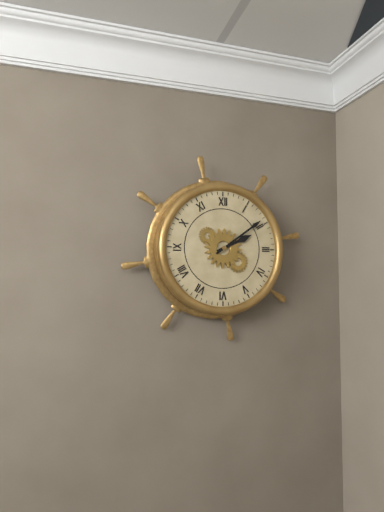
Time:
2.09
